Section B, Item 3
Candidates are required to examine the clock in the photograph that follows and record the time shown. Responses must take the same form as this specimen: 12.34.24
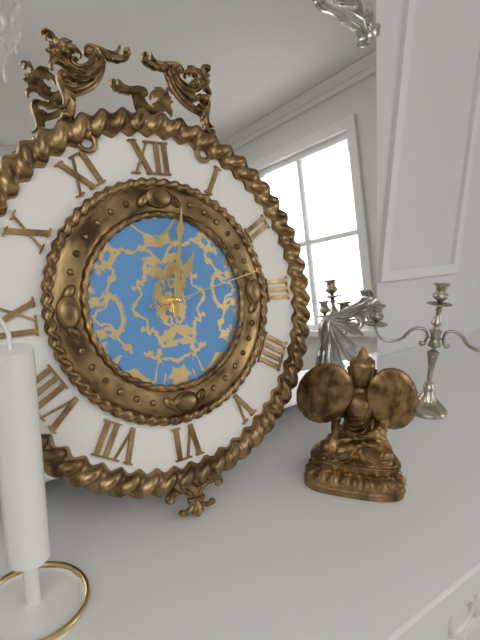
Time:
1.02.13
